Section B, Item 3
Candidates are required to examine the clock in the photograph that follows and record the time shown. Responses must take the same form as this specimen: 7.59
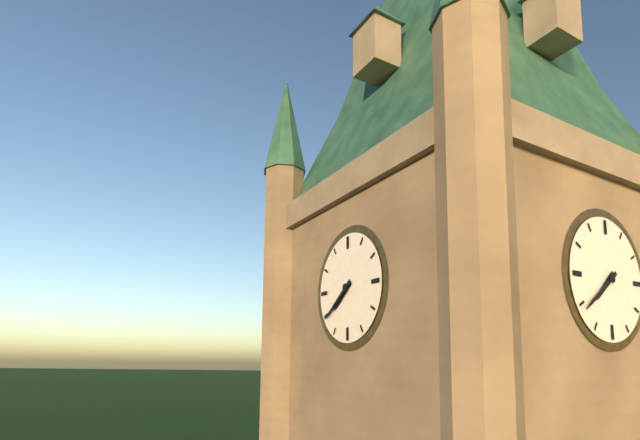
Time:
7.39
